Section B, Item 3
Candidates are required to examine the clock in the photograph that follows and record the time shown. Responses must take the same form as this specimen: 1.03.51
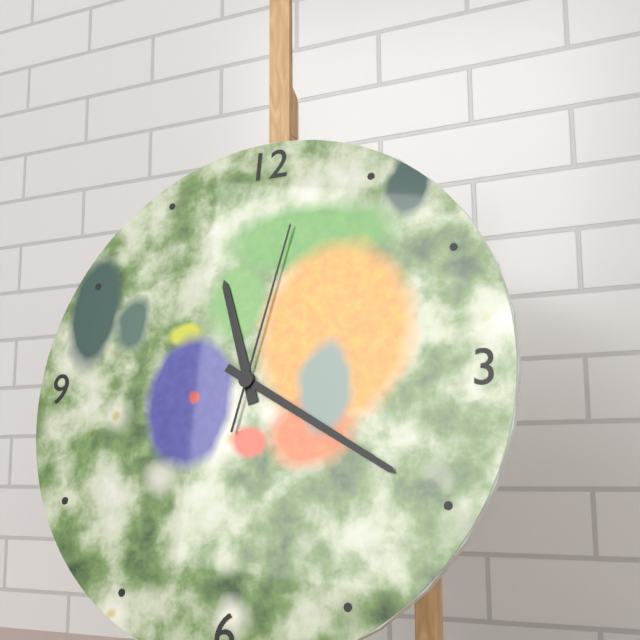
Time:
11.20.02
